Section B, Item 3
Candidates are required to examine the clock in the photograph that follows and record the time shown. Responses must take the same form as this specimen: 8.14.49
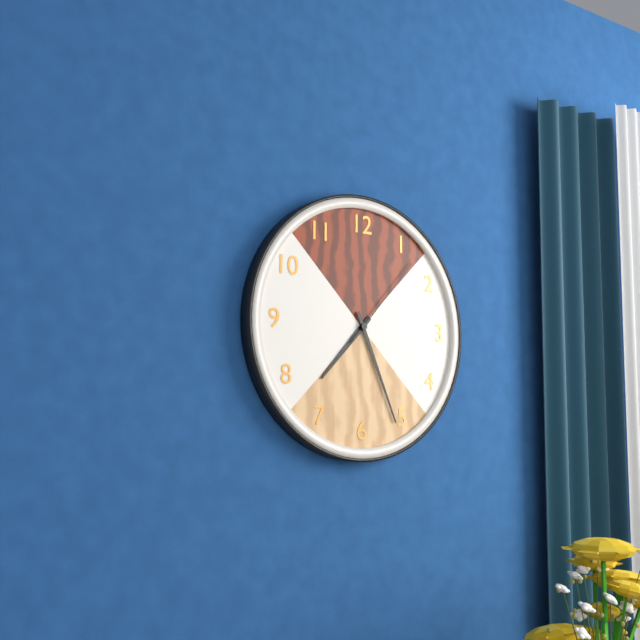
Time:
7.26.07
